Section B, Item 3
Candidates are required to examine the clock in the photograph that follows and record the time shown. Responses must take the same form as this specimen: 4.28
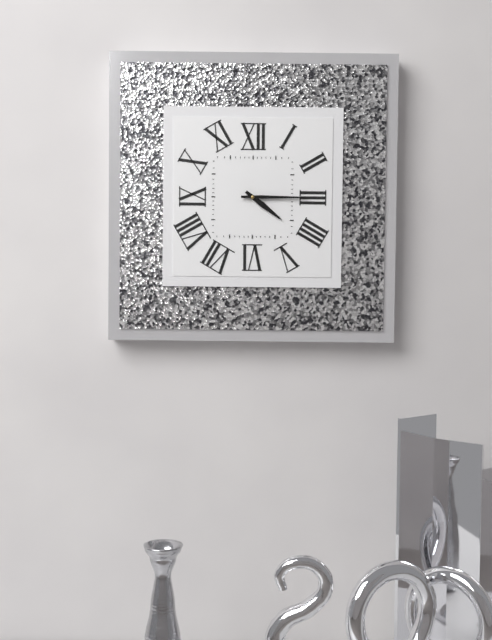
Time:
4.15
